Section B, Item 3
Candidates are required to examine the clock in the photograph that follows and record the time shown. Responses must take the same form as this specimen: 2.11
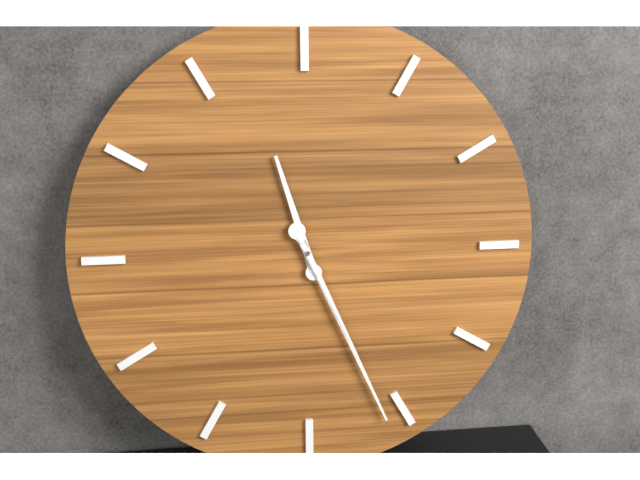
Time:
11.26
